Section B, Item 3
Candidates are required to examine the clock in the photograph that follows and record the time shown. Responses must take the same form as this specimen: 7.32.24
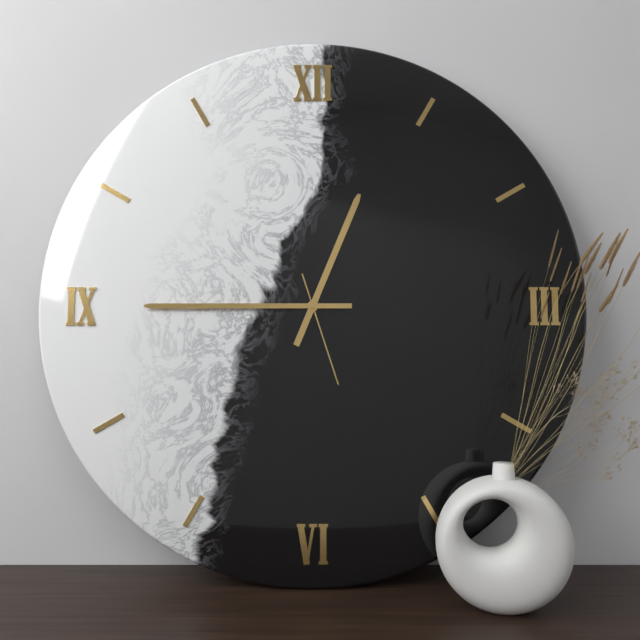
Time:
12.45.27
